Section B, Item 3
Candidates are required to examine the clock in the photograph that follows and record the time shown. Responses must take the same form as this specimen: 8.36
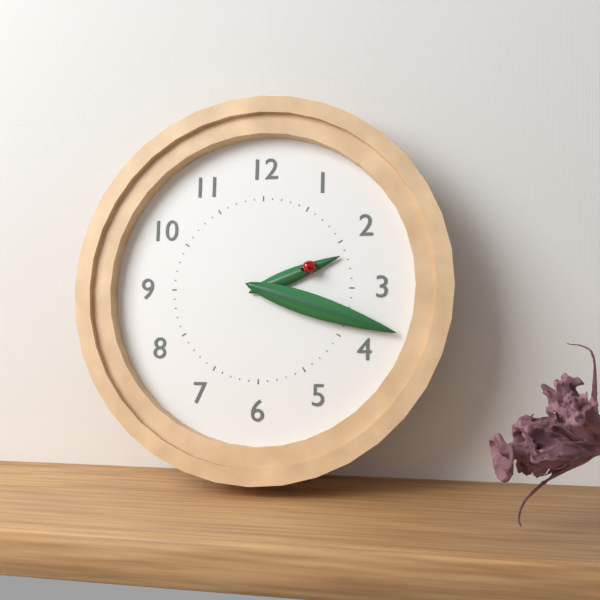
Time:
2.18
